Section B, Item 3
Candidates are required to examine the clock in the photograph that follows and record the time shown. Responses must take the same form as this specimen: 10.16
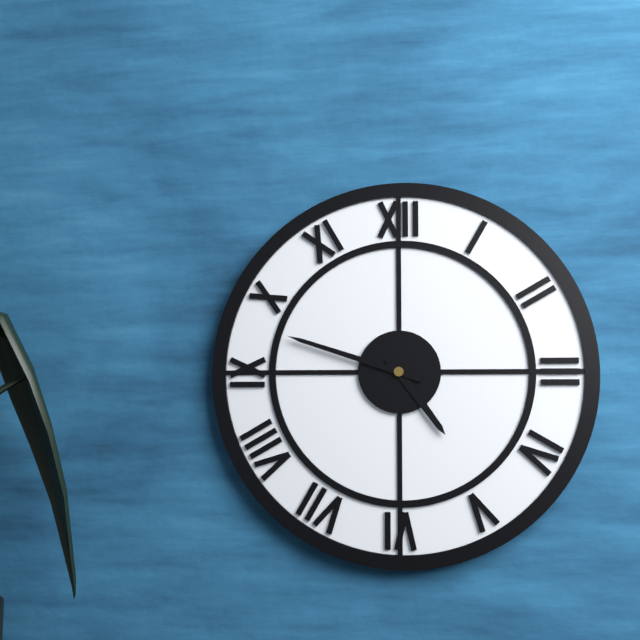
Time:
4.48
